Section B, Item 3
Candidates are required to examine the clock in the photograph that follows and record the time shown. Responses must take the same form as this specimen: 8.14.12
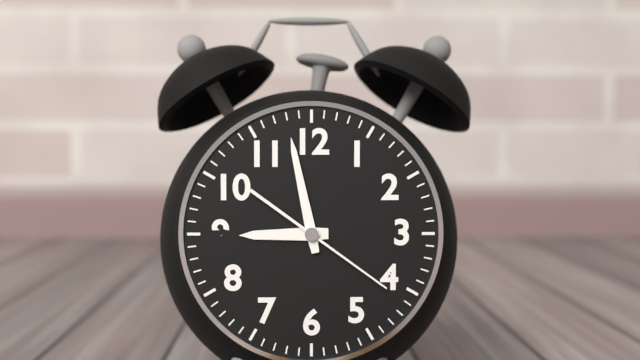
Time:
8.58.21
